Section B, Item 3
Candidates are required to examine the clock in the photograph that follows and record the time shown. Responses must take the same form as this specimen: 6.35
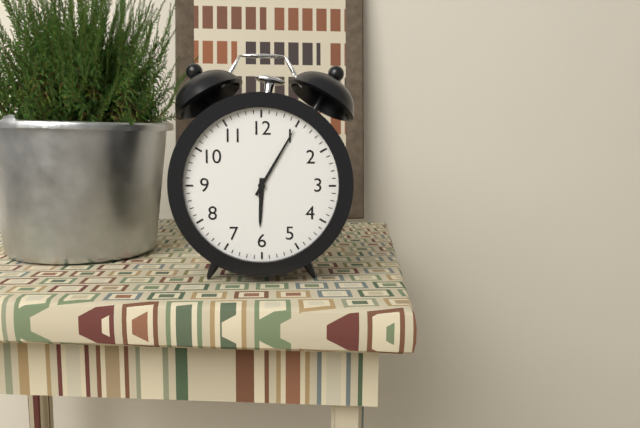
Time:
6.05
